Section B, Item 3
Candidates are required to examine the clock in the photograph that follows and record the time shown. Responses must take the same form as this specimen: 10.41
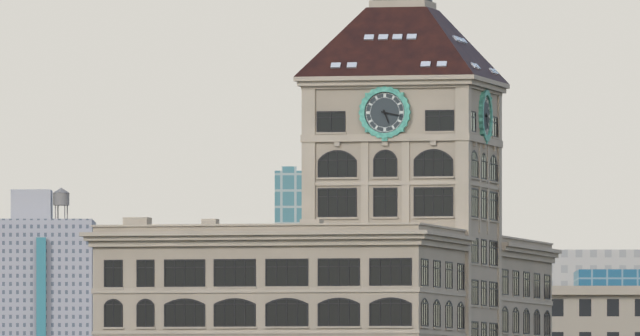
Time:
5.17
